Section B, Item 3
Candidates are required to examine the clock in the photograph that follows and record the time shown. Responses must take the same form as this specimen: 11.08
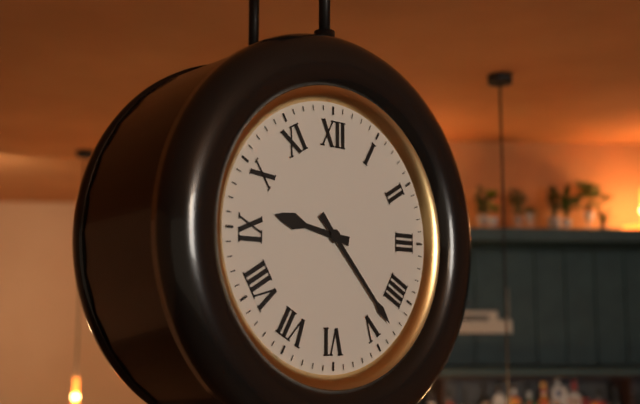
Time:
9.23
